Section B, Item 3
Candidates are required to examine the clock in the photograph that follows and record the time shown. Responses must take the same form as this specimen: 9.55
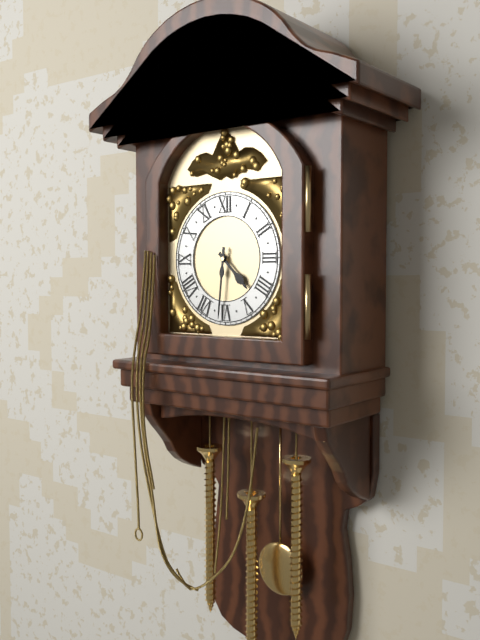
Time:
4.31
